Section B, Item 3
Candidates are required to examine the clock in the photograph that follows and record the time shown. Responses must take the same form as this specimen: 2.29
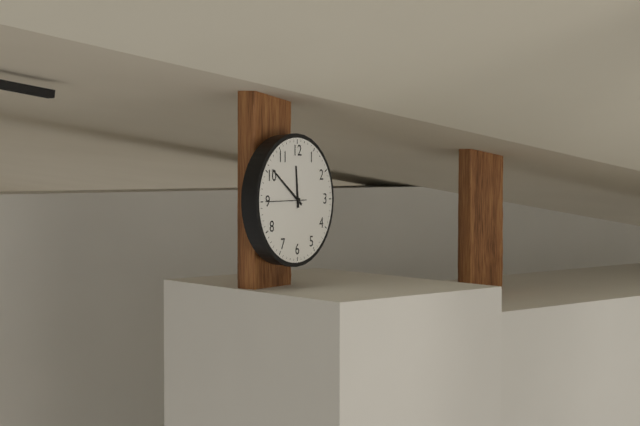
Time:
11.51
